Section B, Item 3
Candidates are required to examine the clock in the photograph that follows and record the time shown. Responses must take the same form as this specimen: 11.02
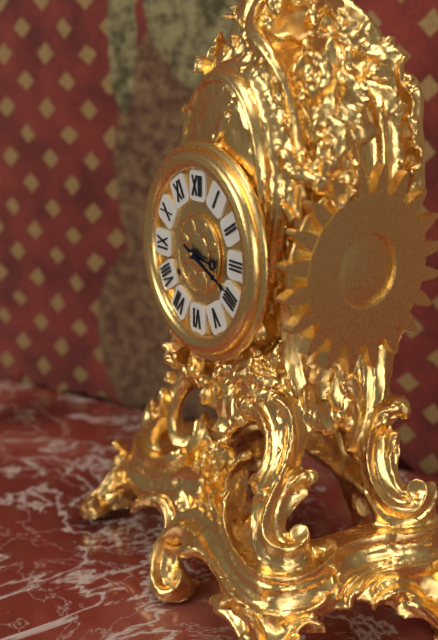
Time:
3.19
